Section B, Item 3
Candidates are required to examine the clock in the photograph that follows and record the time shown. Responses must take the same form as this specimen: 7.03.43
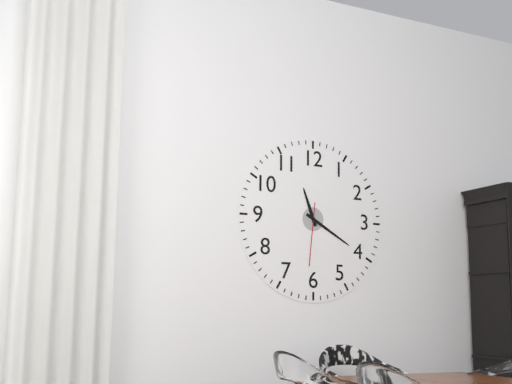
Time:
11.20.31
